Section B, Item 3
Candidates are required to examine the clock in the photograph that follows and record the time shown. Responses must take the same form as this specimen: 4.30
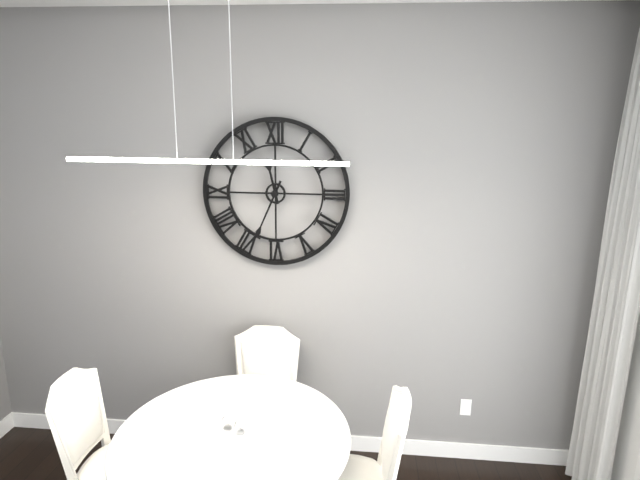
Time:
11.34
